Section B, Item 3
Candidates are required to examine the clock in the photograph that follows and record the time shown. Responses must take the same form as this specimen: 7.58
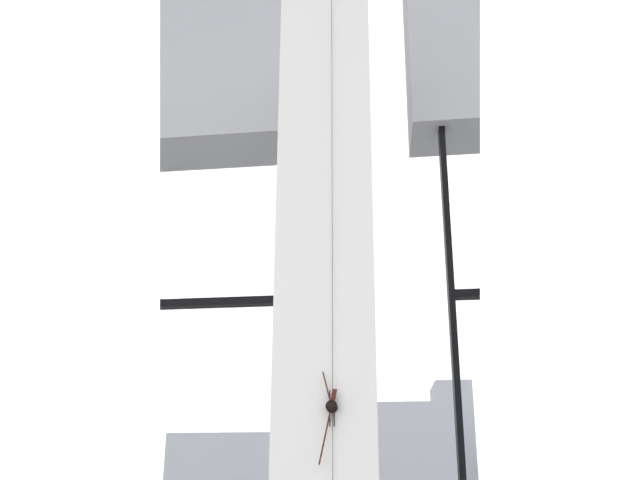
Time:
11.32
